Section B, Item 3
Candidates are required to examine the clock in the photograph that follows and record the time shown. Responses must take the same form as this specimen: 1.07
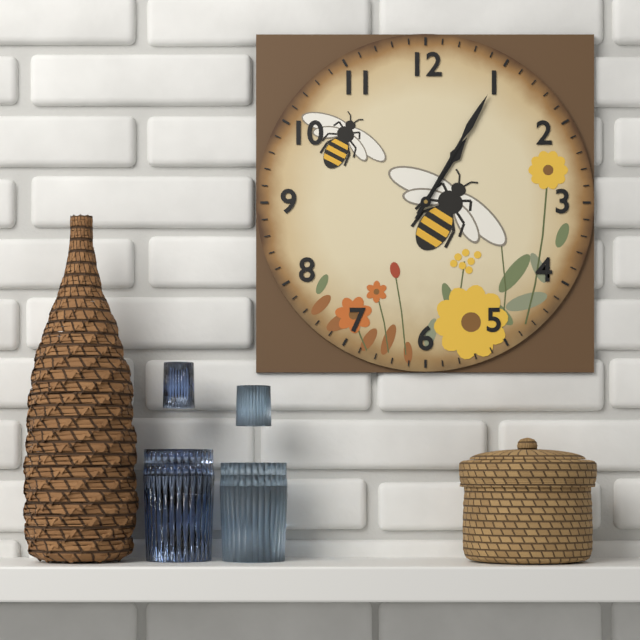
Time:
1.05
